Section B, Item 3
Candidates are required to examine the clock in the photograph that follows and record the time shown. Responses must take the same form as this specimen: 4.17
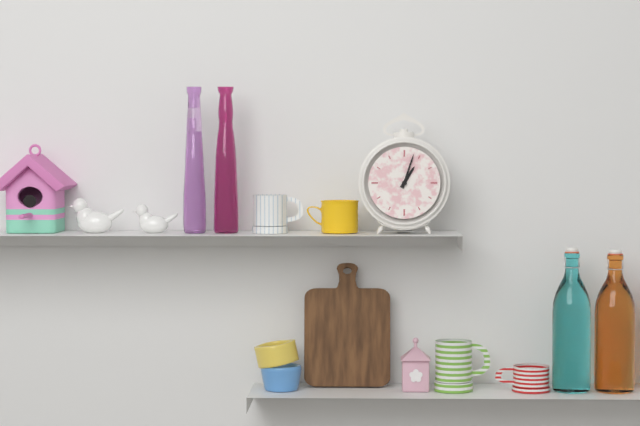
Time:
1.03
